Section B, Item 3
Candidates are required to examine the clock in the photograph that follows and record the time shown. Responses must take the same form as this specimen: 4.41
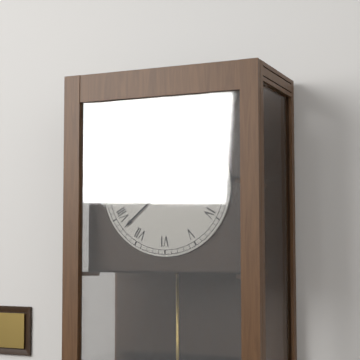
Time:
12.38
